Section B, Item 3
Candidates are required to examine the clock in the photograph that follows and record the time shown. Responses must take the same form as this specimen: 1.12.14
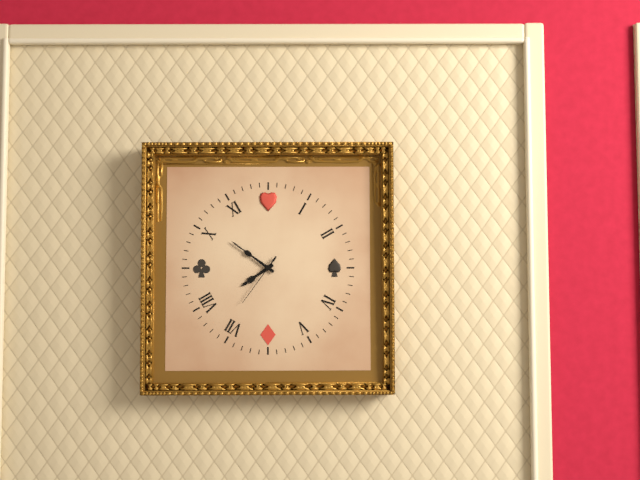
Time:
7.51.36
